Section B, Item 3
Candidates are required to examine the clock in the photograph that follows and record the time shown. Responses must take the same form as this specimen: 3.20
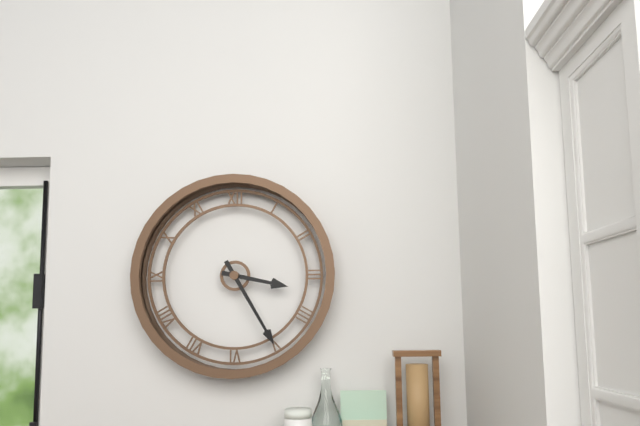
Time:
3.25
